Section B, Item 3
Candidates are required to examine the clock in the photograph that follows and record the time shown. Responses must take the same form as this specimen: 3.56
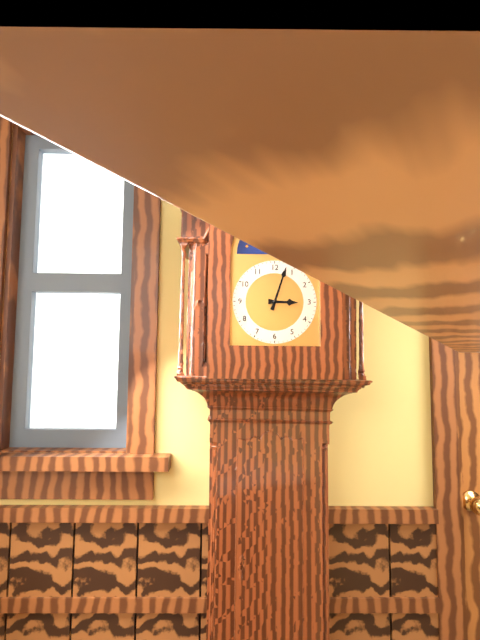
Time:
3.03
